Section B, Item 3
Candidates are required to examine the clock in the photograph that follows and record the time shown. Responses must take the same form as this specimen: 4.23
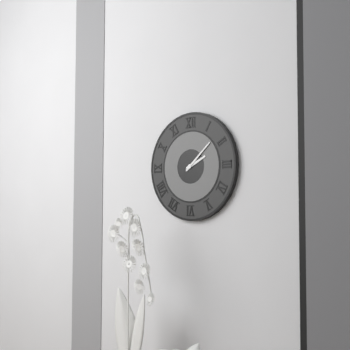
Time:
2.08
